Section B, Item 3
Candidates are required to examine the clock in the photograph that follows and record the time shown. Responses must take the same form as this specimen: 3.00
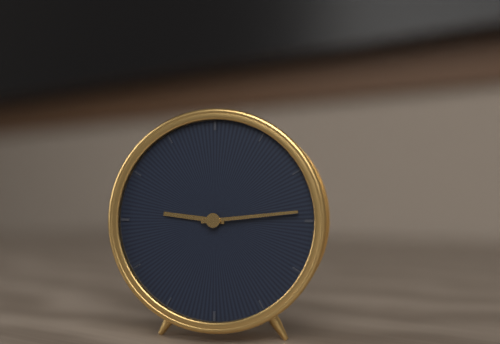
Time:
9.14
